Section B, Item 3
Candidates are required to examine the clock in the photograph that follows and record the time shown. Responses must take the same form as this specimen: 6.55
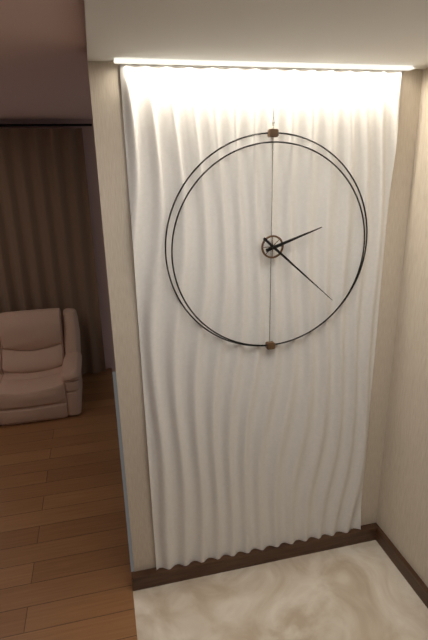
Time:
2.22
